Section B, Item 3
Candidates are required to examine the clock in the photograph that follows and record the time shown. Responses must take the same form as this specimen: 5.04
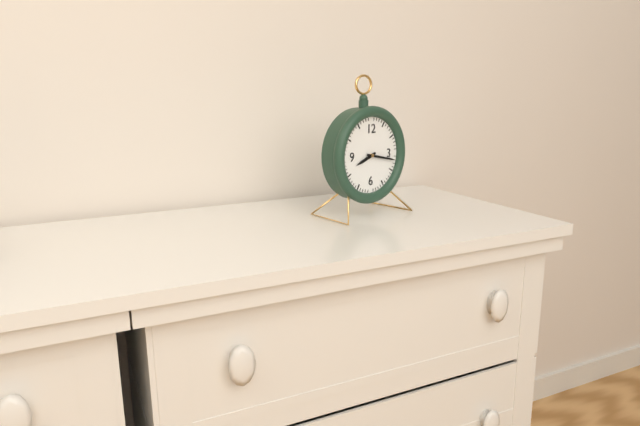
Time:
8.17
